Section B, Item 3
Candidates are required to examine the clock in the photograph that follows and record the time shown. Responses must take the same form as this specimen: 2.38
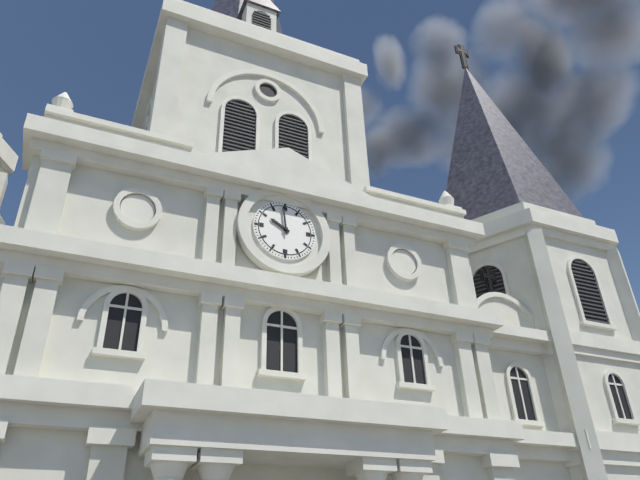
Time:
9.59
